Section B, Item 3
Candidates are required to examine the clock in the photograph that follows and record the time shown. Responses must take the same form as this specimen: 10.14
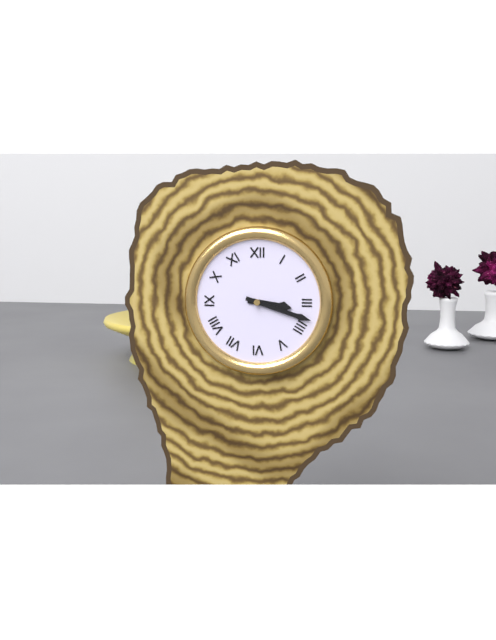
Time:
3.18
